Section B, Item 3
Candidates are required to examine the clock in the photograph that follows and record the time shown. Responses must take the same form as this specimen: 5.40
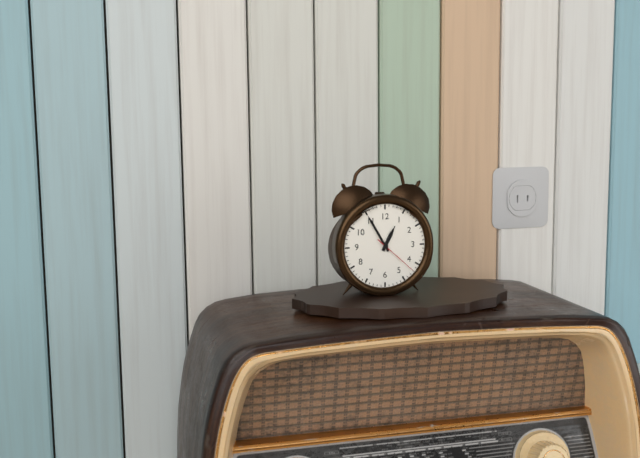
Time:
12.55
